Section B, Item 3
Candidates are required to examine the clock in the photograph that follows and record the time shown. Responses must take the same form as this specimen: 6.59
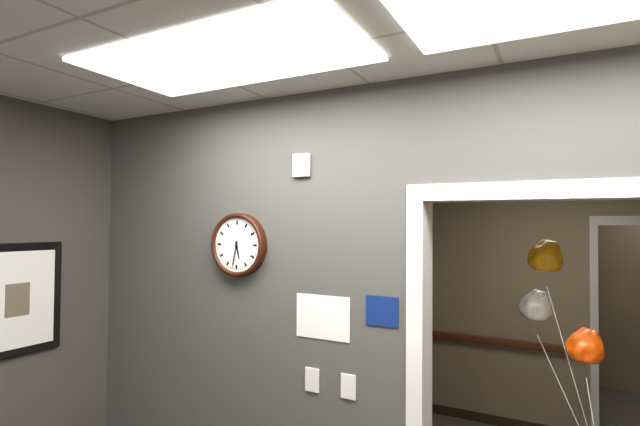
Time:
5.32
